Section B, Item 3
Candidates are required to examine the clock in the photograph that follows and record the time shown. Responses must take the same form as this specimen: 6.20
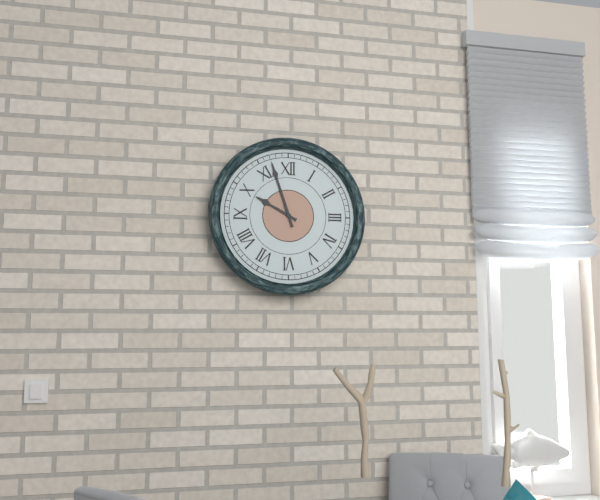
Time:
9.57
